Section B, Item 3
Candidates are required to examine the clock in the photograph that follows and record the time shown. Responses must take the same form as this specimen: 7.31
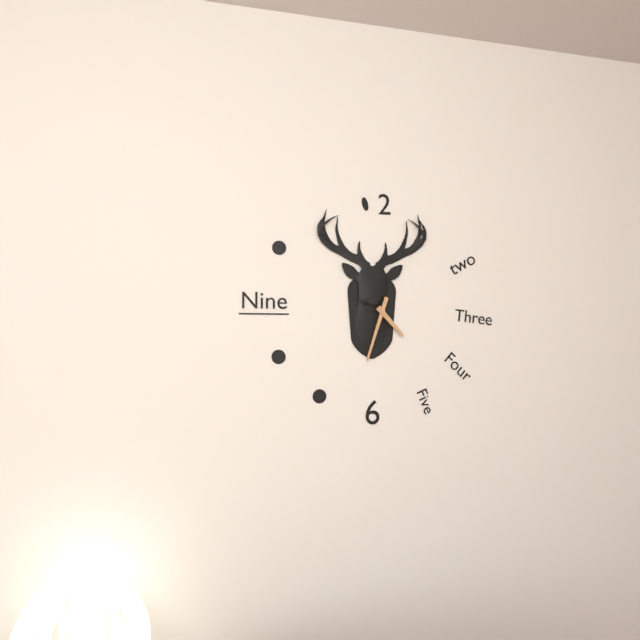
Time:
4.33
